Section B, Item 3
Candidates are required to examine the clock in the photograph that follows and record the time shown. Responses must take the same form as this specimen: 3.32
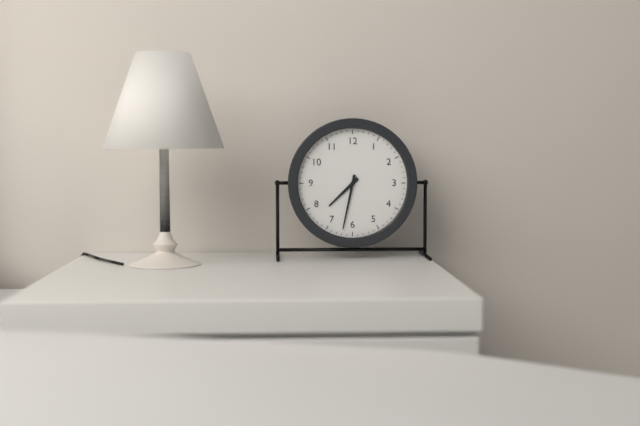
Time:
7.32
